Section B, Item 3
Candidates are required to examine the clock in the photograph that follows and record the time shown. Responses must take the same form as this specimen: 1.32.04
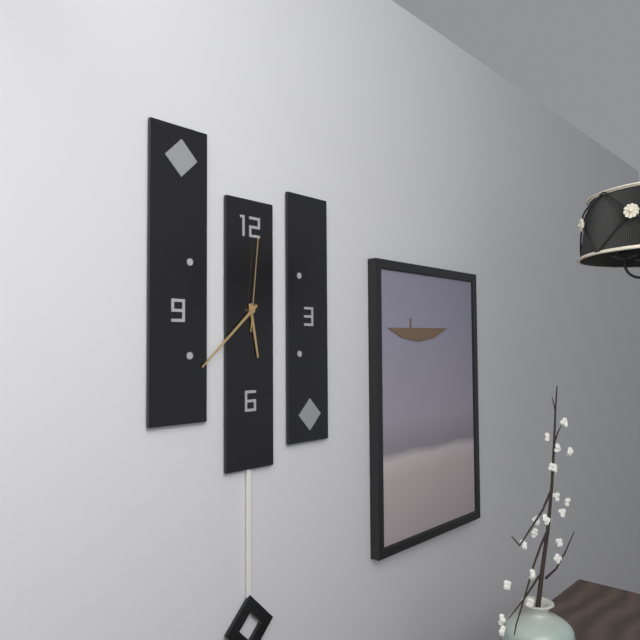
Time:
5.38.01
